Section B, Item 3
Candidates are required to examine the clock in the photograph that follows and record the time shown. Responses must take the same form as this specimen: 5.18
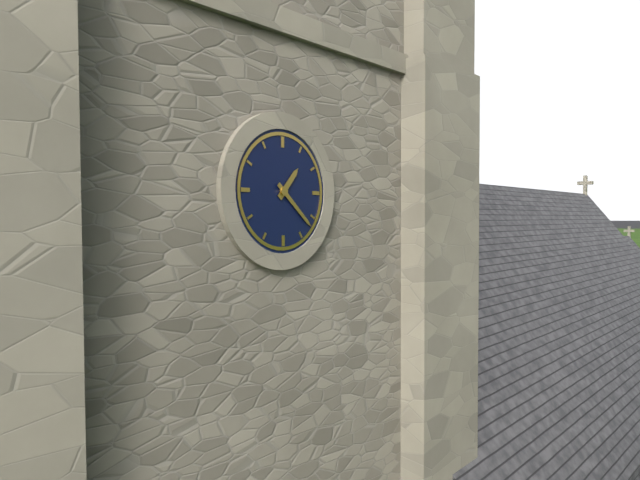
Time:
1.22
